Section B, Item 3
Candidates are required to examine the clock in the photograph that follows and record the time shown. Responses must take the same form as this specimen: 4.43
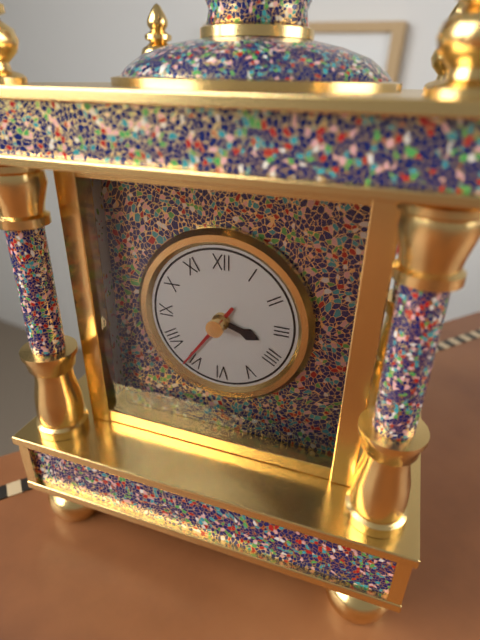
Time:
3.36
